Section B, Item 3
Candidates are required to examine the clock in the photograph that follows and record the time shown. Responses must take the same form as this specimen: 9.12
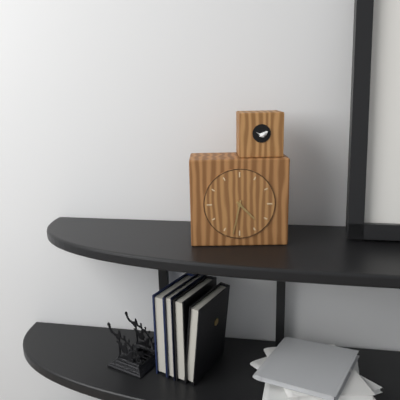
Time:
4.32
